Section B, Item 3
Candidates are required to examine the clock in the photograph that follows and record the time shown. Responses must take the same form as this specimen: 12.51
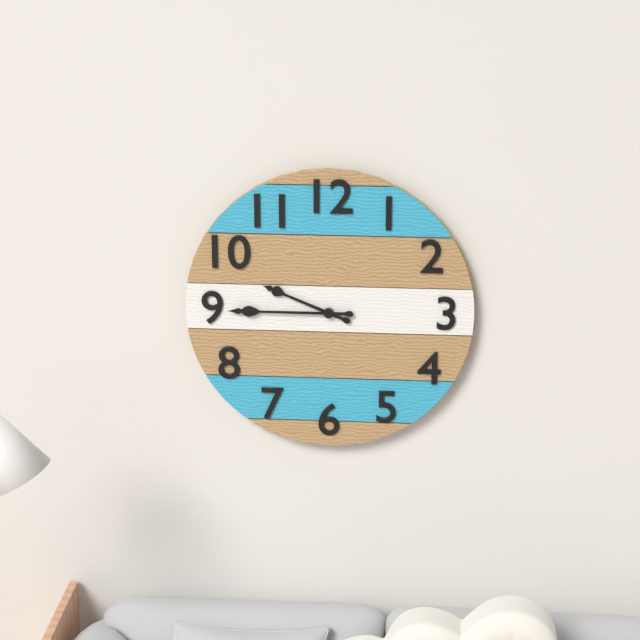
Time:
9.45
